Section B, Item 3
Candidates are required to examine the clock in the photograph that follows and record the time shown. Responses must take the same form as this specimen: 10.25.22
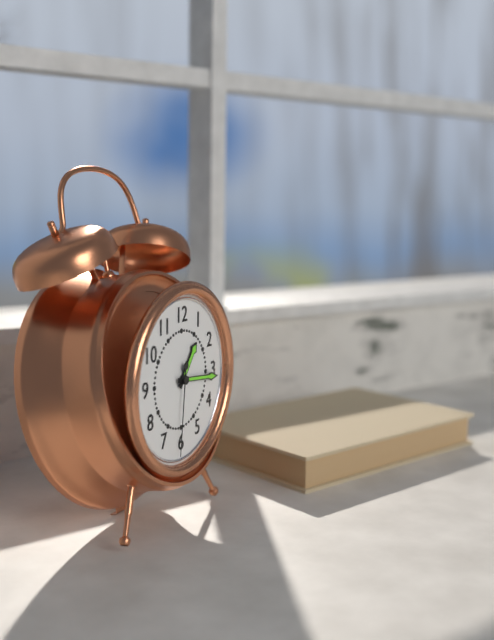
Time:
1.16.31
